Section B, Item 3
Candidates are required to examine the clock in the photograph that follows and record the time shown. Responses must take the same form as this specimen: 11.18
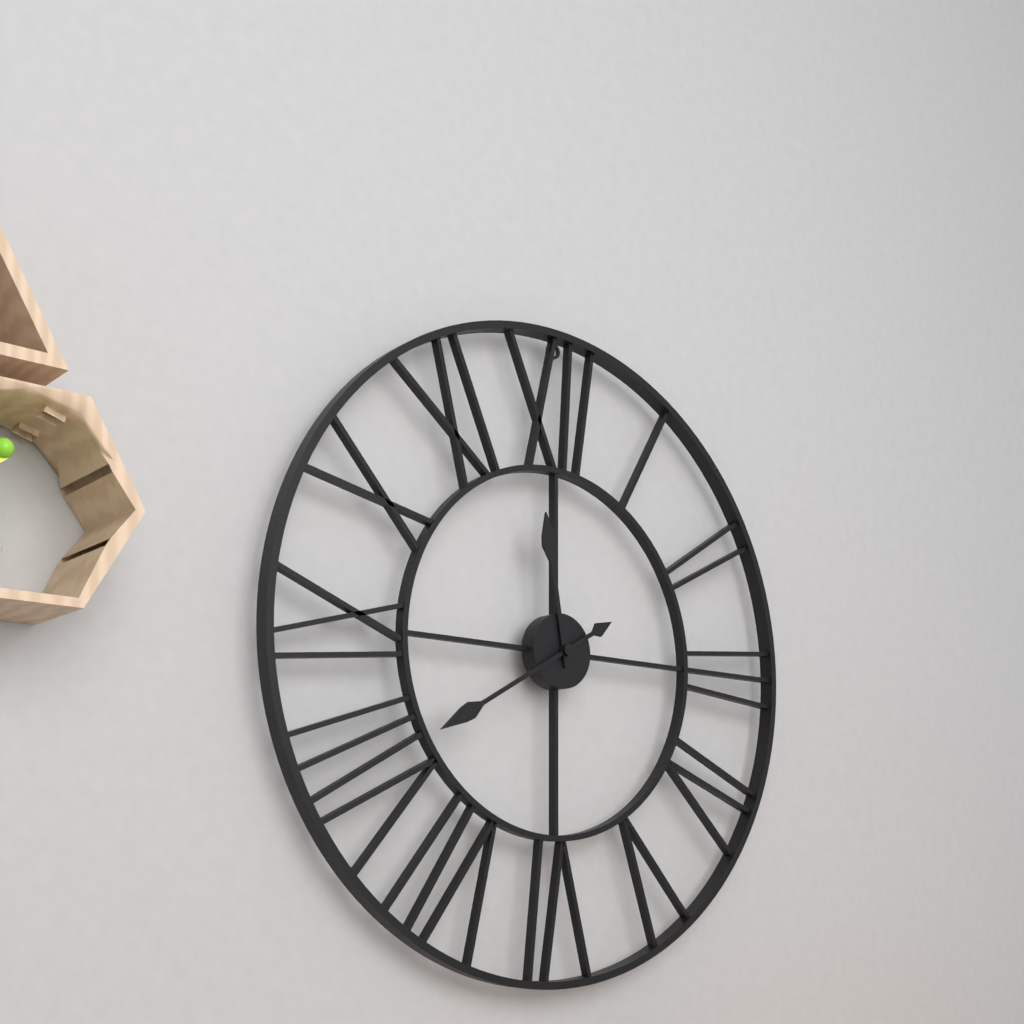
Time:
11.40
